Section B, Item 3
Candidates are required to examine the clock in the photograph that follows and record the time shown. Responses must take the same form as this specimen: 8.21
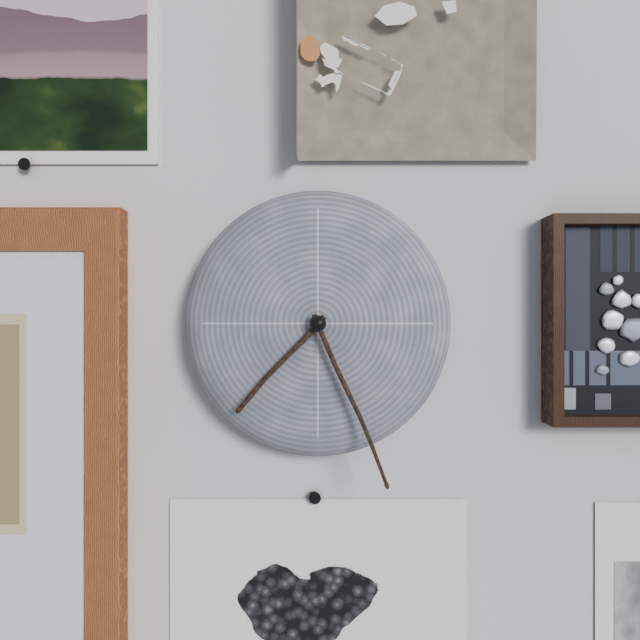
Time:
7.26
